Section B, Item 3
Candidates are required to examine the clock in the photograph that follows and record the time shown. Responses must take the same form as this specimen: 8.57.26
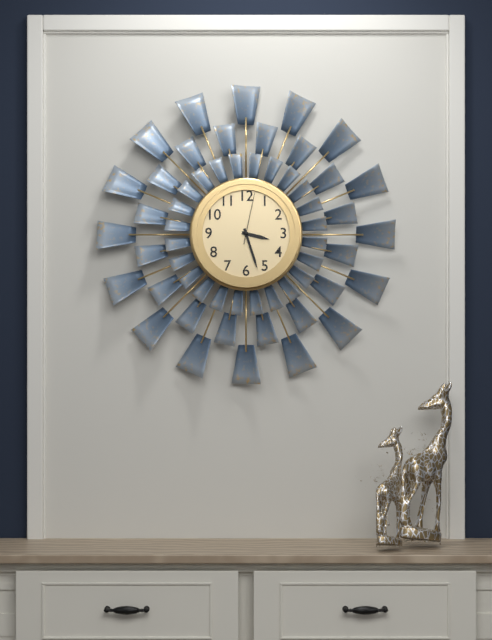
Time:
3.27.02
